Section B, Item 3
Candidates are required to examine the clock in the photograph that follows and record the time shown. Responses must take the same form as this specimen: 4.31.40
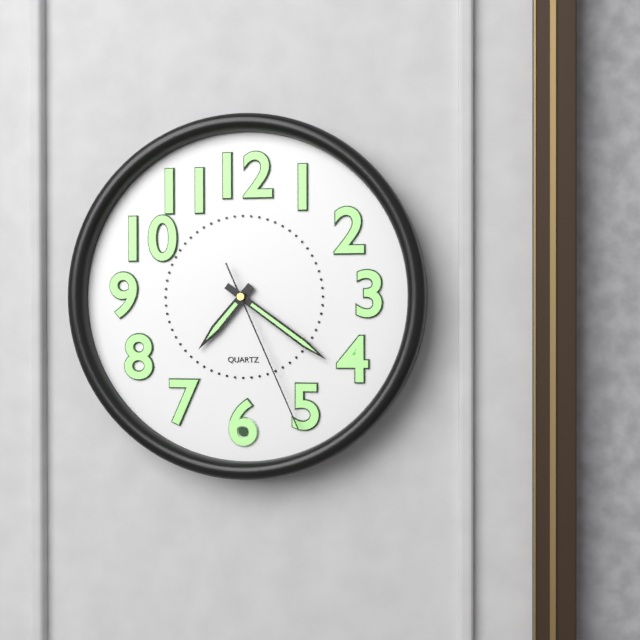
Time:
7.21.26
